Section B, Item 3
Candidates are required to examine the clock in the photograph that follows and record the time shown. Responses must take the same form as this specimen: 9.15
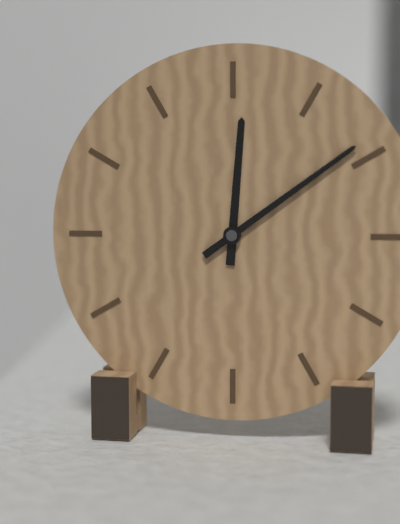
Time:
12.09
